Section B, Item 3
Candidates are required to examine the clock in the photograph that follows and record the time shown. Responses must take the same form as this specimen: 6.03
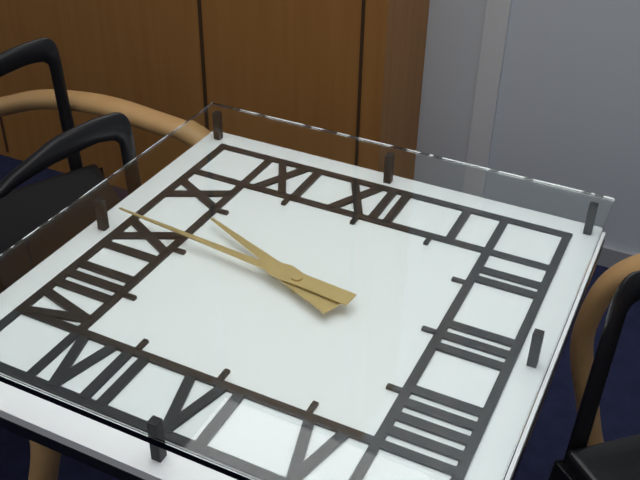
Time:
9.46
